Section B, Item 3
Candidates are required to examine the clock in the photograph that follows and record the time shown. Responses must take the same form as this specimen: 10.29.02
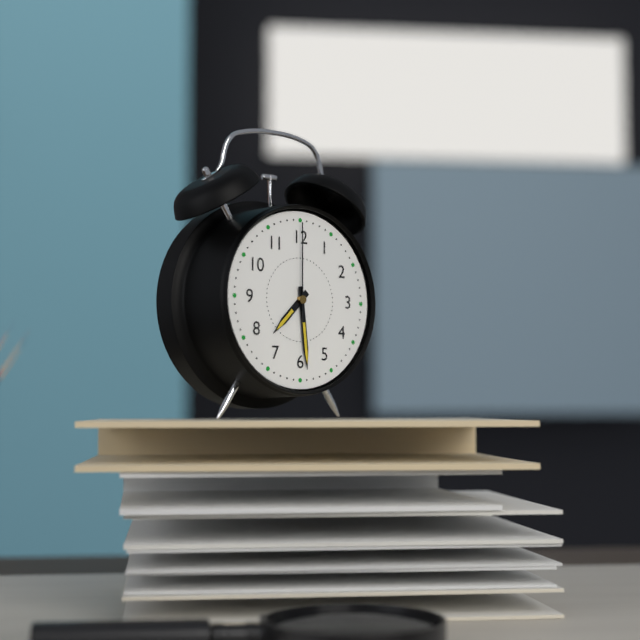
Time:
7.29.00
